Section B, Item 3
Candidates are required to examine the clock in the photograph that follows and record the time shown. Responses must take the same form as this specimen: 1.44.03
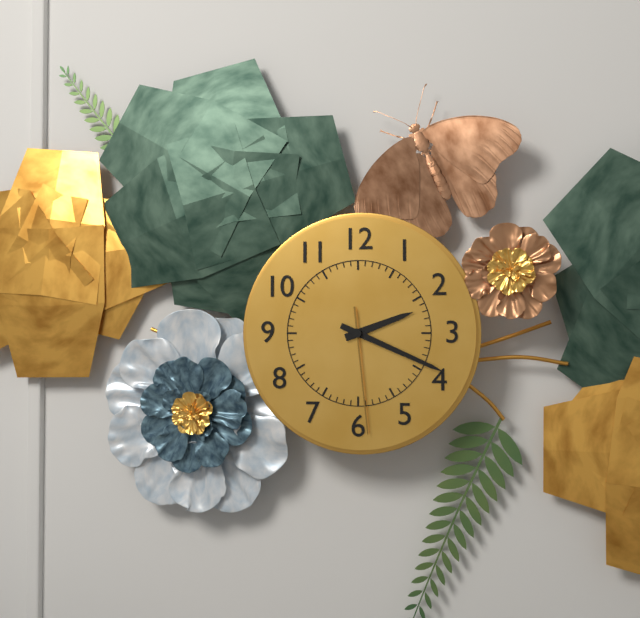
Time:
2.19.29
